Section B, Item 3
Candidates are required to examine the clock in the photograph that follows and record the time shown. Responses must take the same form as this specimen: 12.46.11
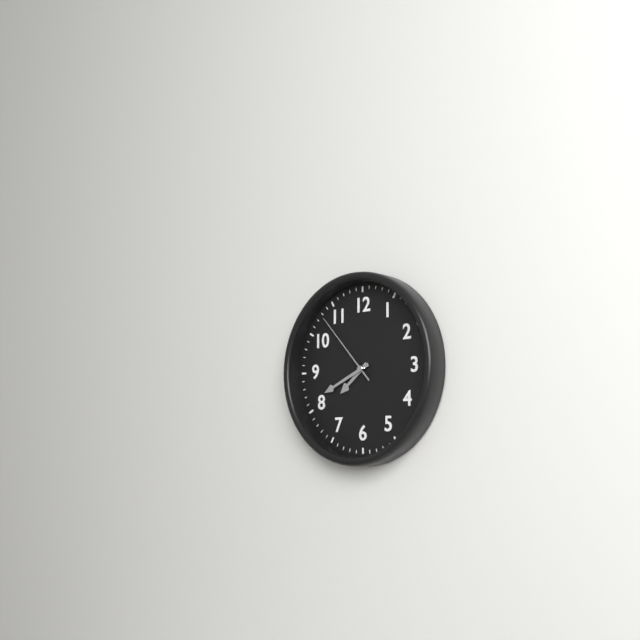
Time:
7.41.53
